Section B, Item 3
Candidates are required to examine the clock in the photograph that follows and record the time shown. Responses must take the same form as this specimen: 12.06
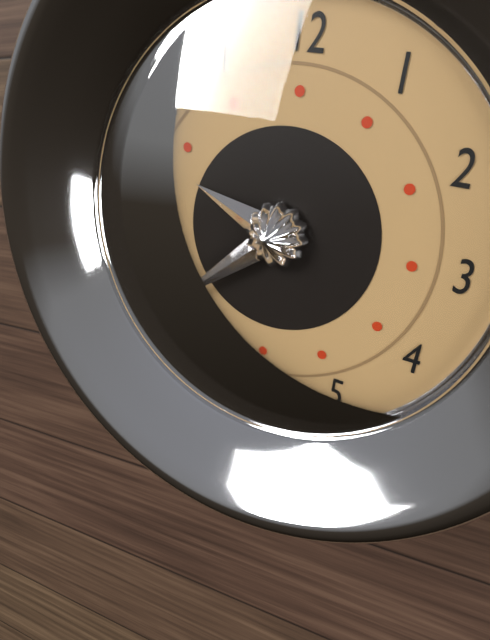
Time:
9.38
